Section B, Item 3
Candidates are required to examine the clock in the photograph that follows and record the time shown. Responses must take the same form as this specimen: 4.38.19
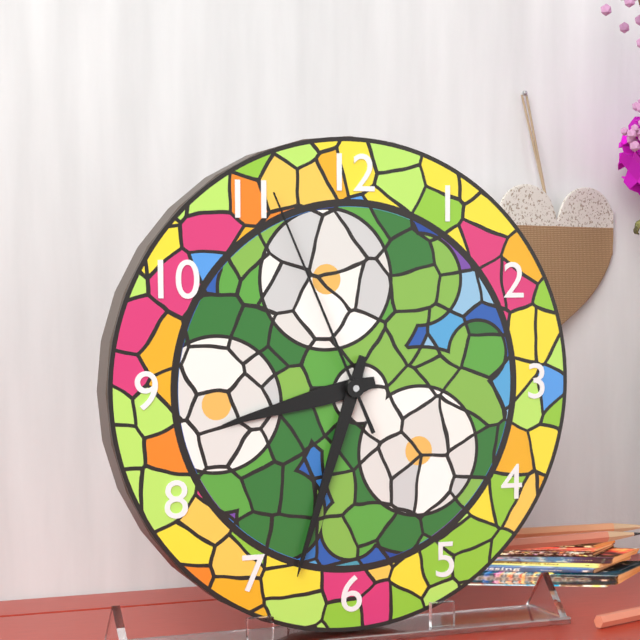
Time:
8.33.56
